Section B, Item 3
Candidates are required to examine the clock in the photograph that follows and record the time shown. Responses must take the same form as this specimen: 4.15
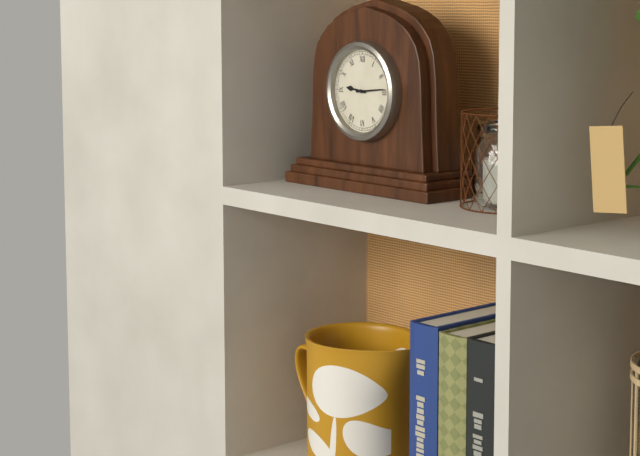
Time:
9.14
